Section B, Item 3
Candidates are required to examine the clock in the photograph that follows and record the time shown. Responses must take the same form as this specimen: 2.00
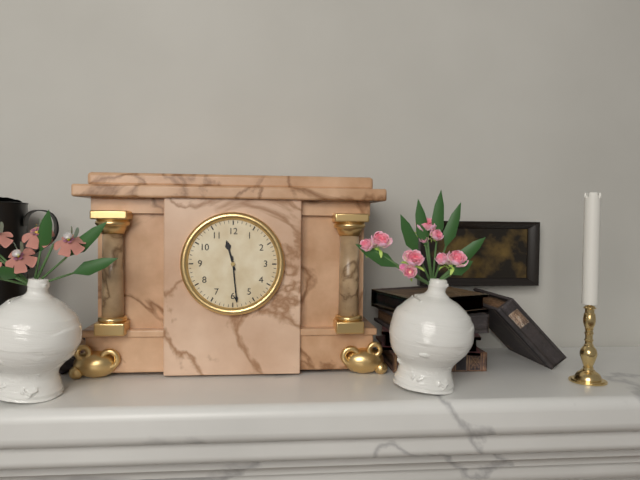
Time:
11.29
